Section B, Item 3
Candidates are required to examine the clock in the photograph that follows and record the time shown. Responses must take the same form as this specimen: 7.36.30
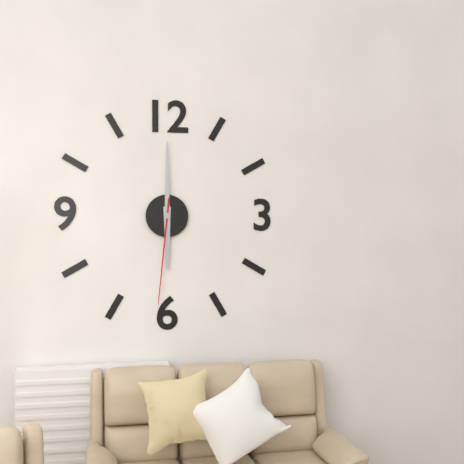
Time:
6.00.31
